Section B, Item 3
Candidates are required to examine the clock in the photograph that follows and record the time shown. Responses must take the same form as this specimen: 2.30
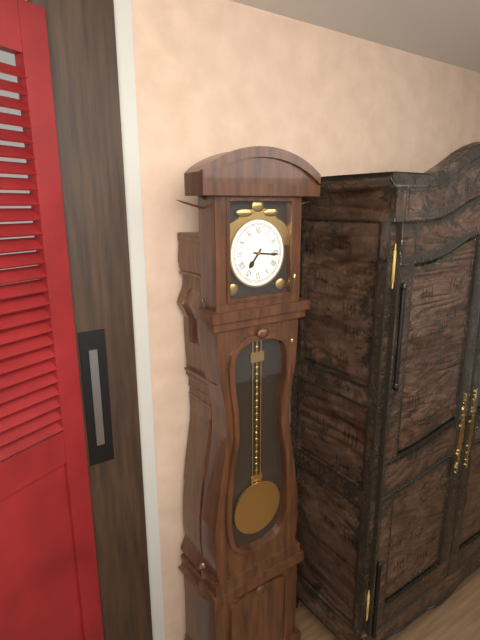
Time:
7.16
